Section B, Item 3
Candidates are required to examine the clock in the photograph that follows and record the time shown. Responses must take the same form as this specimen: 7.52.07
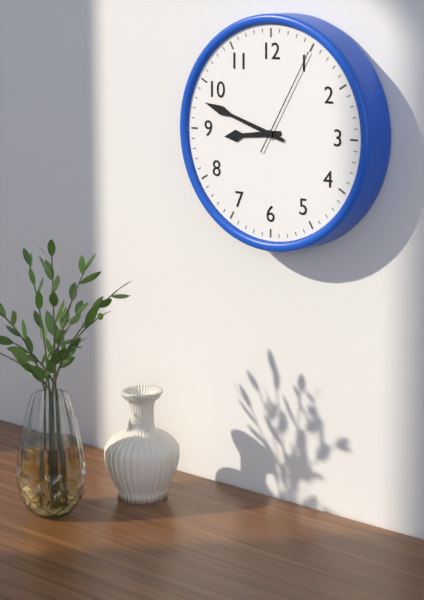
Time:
8.48.05
